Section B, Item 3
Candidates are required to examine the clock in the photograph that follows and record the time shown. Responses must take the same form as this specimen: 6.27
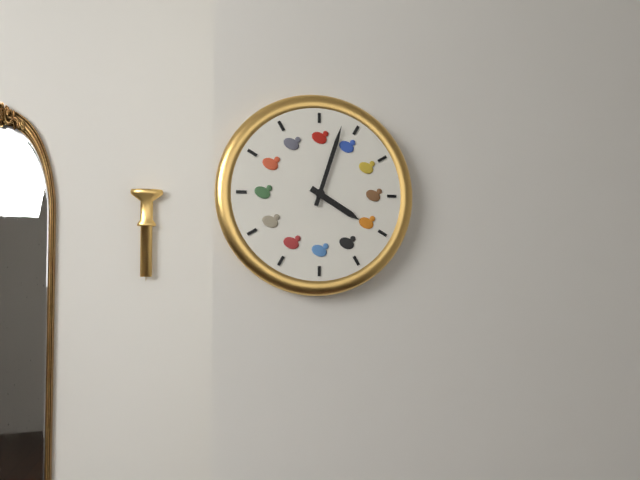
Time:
4.03
